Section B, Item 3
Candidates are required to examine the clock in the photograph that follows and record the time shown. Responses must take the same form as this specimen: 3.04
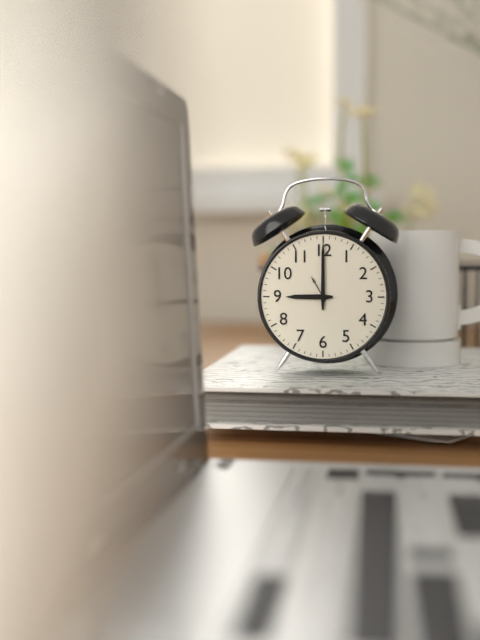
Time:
9.00
